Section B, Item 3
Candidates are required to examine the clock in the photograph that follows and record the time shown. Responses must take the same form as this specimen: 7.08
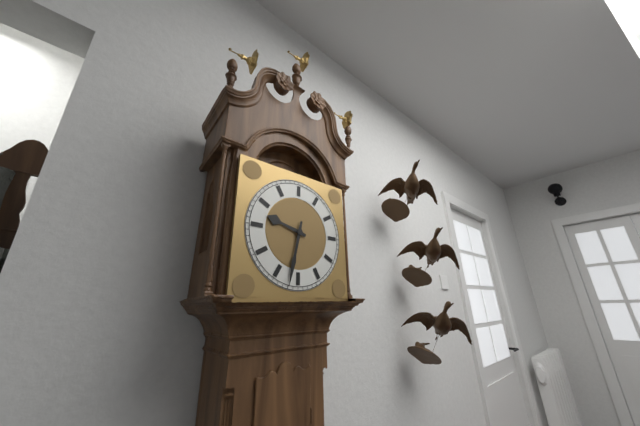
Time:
9.32
